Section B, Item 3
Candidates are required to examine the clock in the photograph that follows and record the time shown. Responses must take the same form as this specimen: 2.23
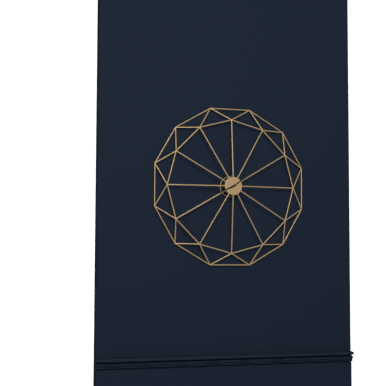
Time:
8.09
